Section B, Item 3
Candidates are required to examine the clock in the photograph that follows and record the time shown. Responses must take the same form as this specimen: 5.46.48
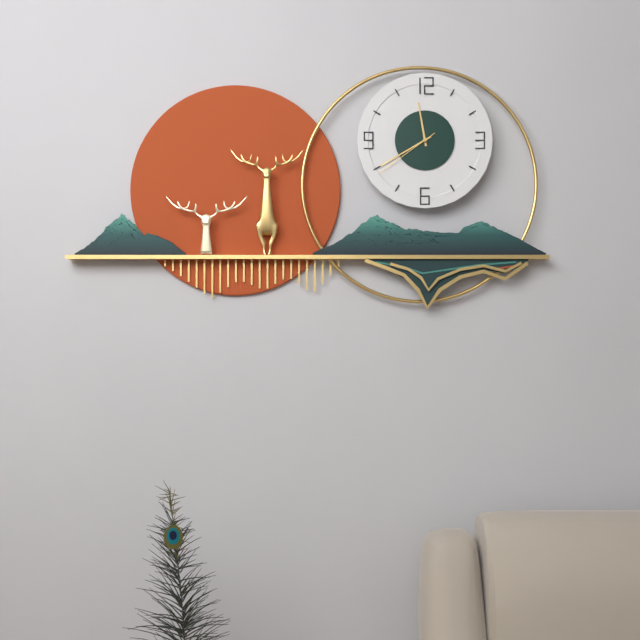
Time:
11.40.39
